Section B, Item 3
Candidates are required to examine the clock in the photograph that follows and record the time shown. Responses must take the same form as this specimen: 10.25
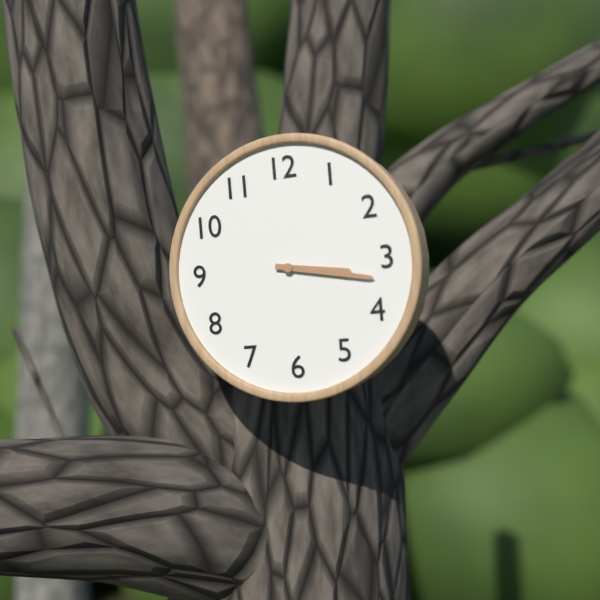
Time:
3.17
